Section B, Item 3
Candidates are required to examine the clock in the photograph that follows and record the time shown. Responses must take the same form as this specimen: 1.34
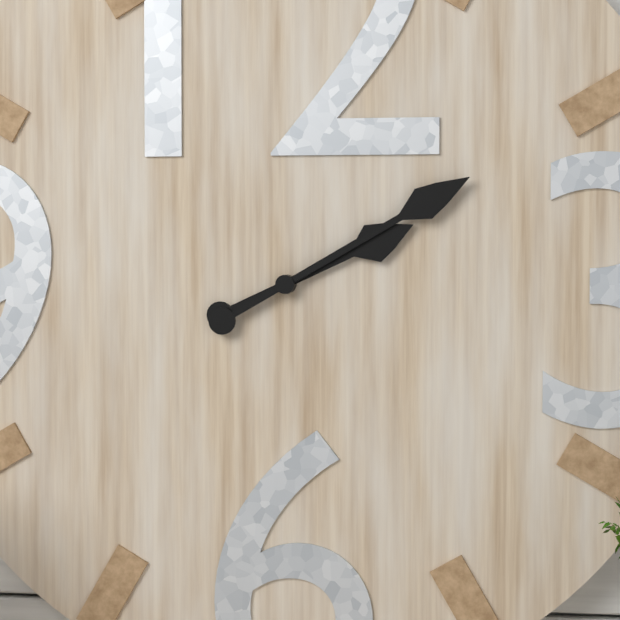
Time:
2.10
